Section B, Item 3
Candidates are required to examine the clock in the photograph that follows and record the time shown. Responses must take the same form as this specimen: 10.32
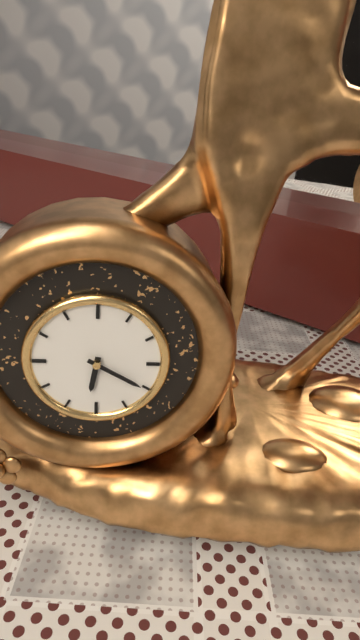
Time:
6.20
